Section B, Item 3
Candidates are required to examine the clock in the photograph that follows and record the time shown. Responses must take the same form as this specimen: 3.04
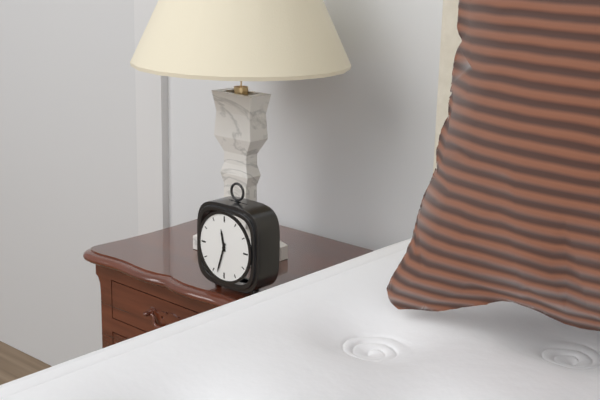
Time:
11.33
